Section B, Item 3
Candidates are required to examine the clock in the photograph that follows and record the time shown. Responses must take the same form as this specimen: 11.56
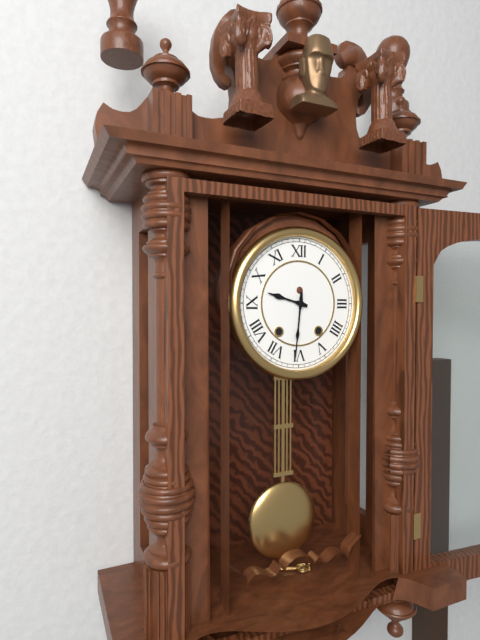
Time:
9.31
